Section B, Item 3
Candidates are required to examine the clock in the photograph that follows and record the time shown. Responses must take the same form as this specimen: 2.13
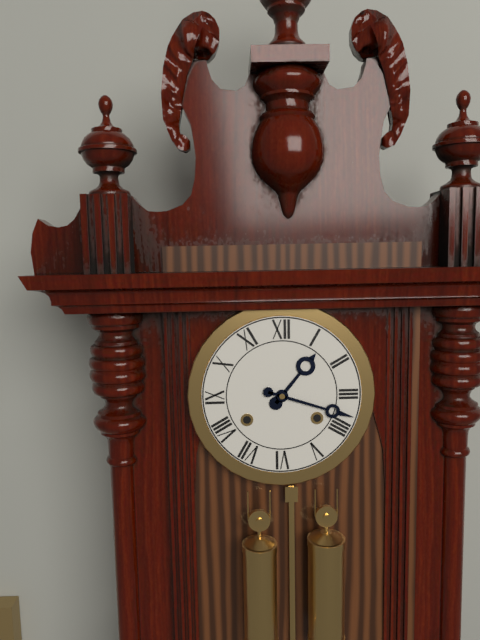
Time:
1.18
